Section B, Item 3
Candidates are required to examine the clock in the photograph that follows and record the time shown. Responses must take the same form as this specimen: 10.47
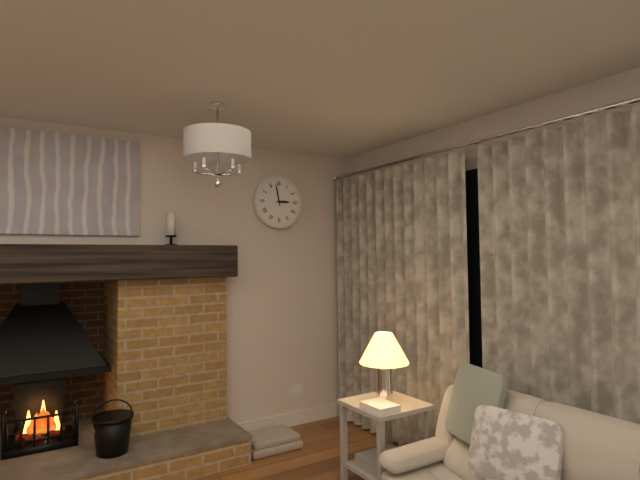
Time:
2.58
